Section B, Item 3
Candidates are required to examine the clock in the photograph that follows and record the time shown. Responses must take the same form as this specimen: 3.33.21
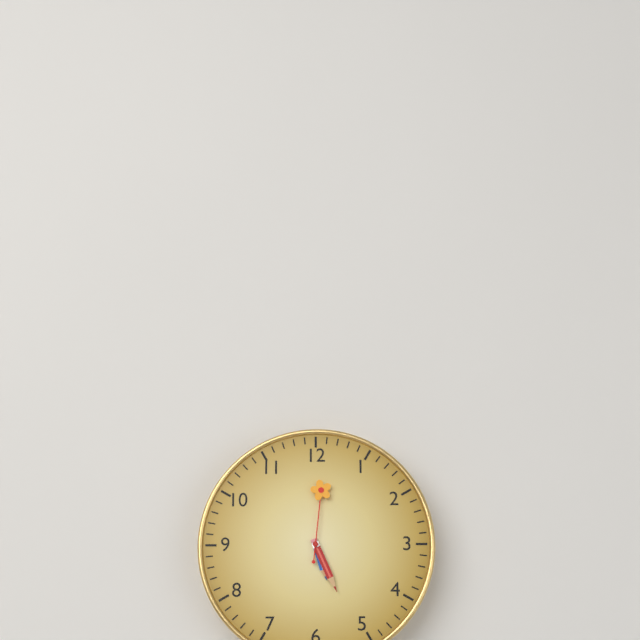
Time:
5.26.01
